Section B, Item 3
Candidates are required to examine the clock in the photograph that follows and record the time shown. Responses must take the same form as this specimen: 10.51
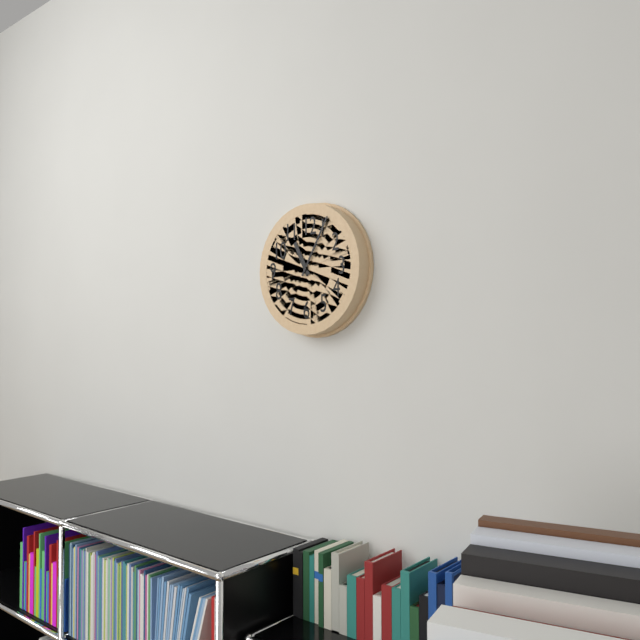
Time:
11.05
